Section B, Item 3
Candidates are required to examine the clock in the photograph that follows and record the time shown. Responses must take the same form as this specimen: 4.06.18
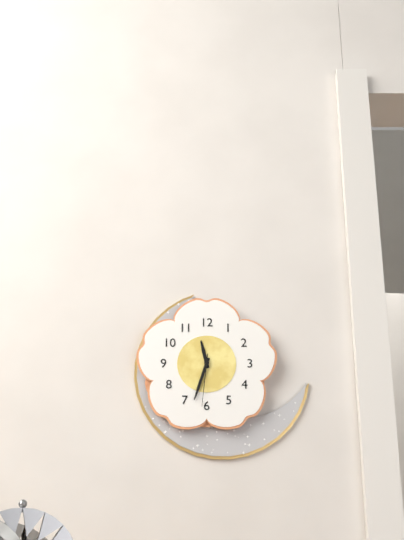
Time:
11.33.31
